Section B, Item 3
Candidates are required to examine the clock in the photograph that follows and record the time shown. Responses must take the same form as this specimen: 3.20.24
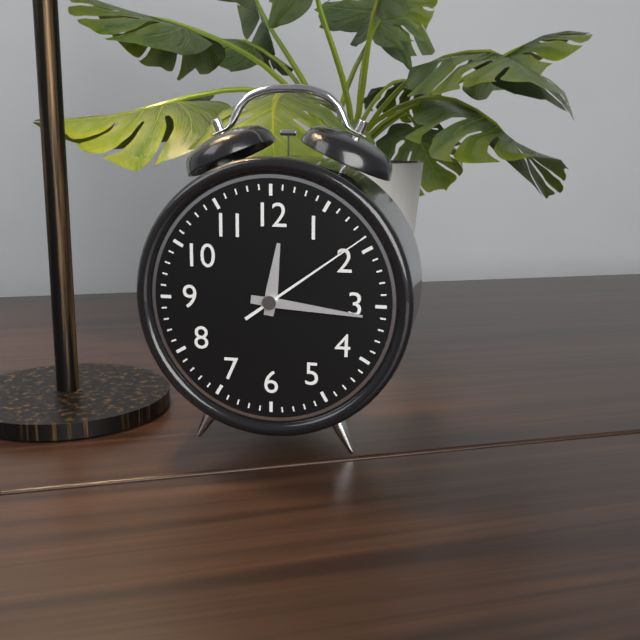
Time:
12.16.09
